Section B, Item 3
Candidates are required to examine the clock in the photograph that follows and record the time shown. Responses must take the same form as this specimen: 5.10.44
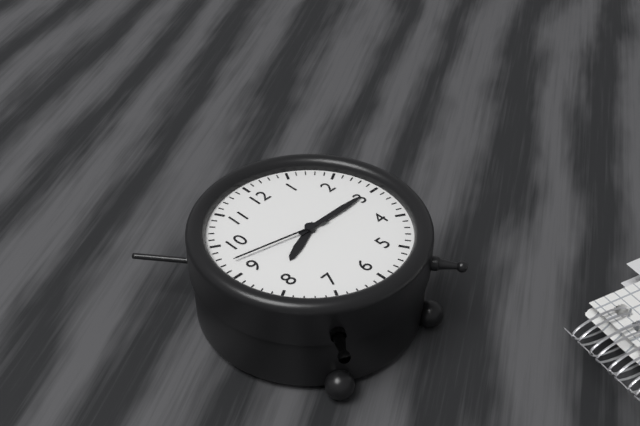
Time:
8.15.47
